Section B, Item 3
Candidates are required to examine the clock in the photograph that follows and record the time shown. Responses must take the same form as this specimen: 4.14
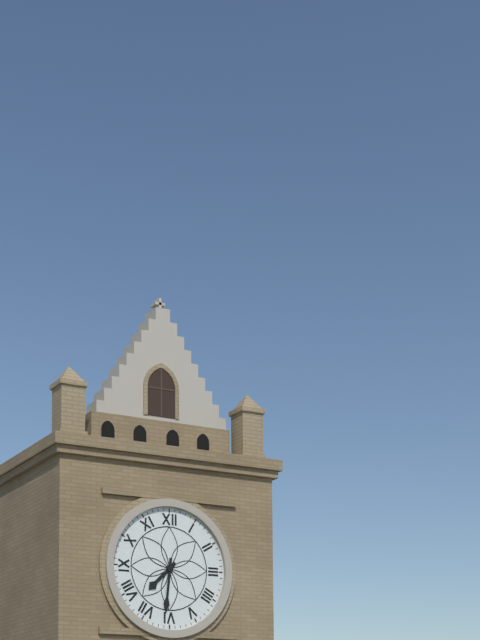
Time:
7.31
